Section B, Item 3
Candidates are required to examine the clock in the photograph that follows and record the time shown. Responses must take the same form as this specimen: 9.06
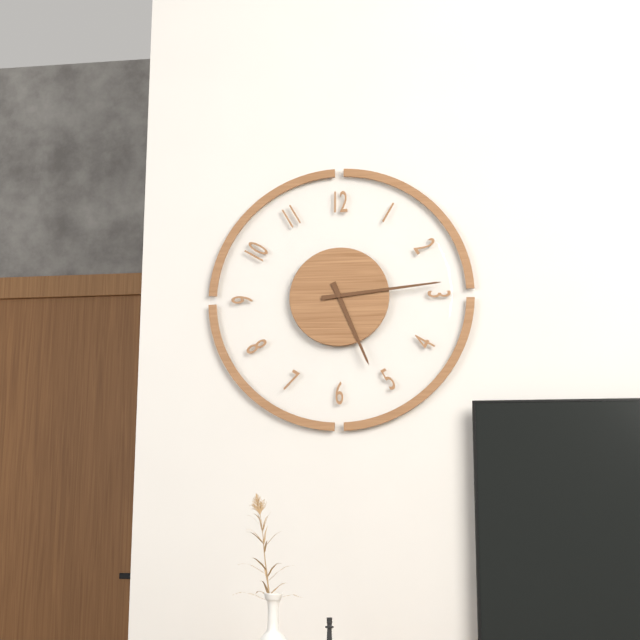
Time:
5.14
